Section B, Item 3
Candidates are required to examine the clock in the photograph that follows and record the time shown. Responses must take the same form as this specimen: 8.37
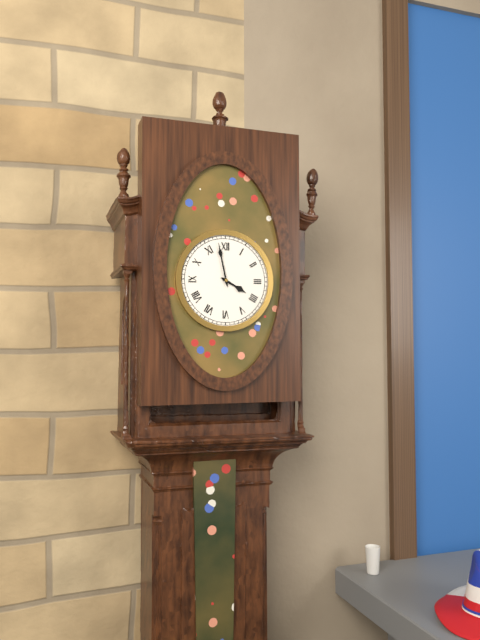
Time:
3.58
